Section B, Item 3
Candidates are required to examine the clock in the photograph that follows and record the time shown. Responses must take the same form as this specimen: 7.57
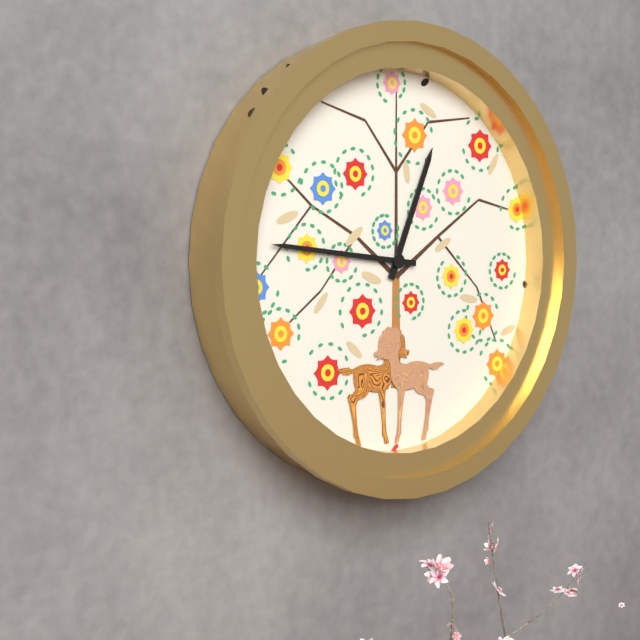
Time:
12.46
